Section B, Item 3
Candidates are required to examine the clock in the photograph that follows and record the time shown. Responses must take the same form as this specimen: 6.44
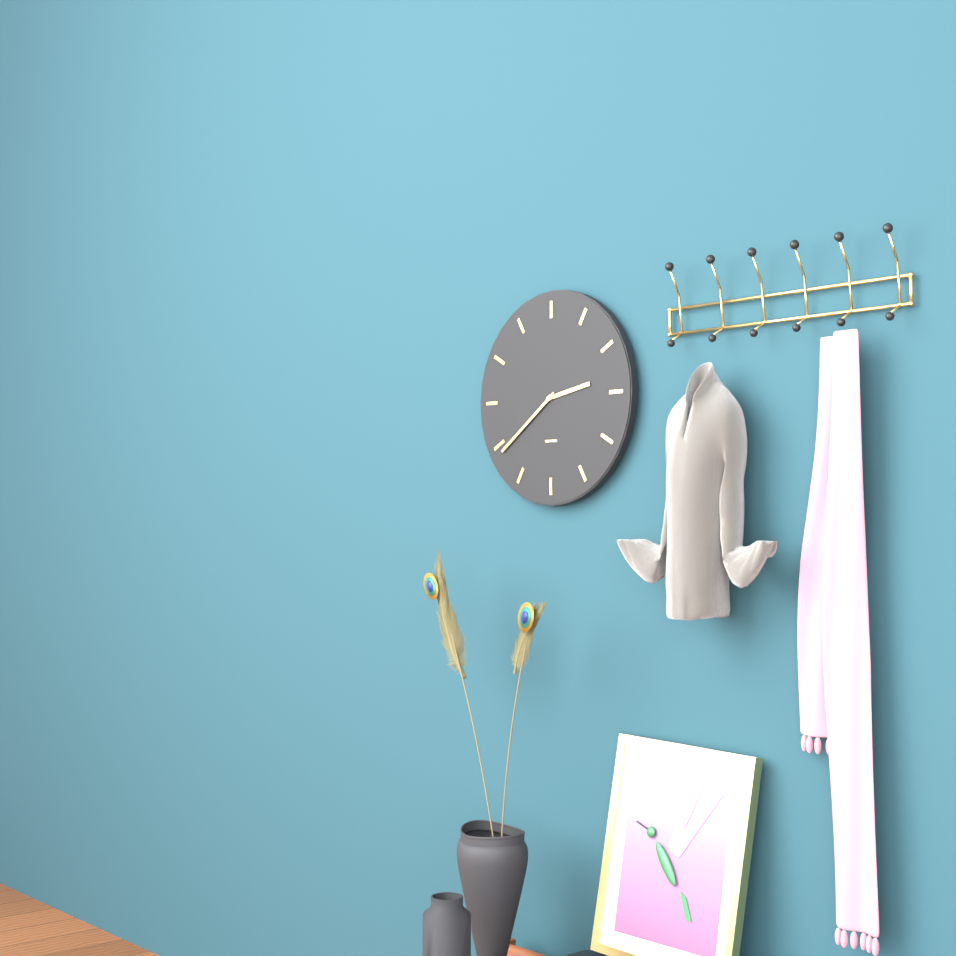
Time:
2.39
